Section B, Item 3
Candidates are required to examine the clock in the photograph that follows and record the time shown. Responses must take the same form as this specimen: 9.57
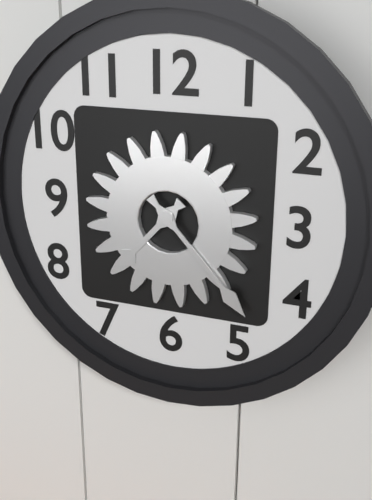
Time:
7.23
